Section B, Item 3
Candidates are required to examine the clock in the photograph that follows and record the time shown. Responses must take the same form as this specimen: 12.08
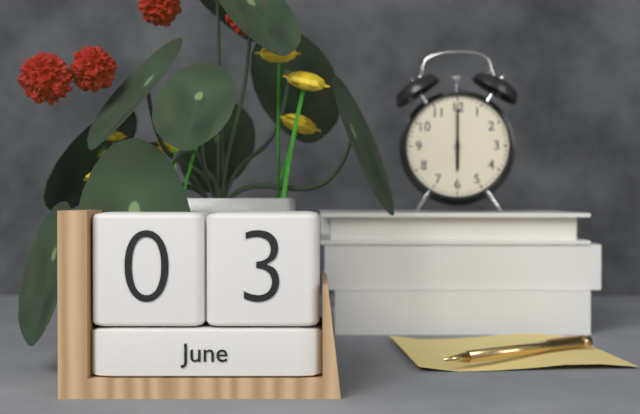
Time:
6.00
